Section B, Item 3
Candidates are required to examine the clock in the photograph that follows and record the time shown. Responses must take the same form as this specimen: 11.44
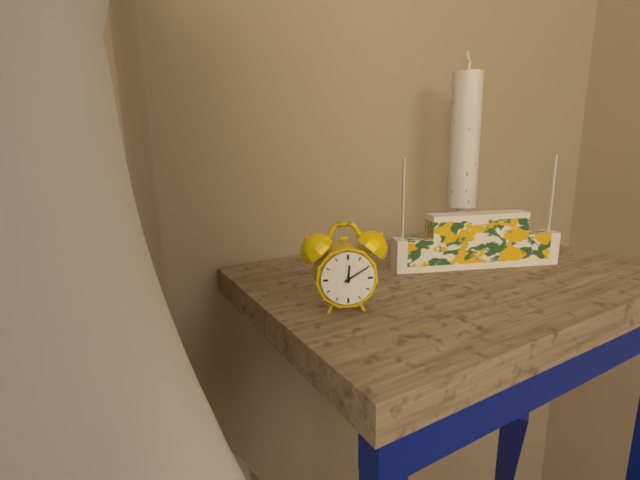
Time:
12.10
